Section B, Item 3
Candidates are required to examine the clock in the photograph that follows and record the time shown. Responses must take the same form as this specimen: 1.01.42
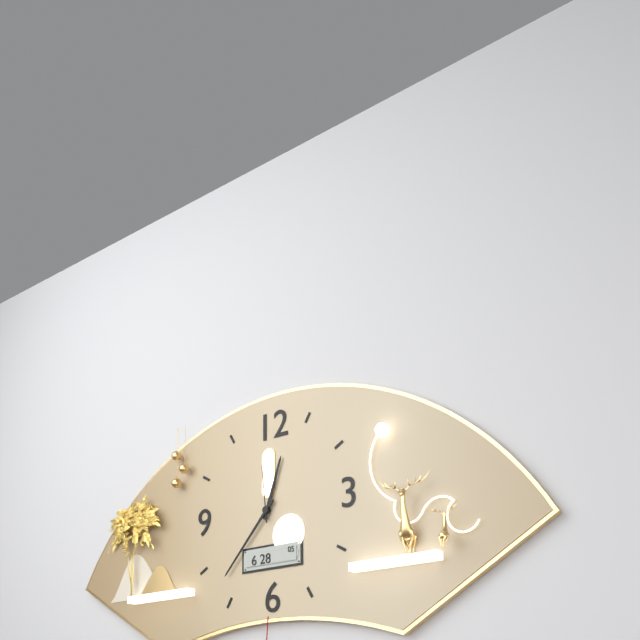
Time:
12.37.59
